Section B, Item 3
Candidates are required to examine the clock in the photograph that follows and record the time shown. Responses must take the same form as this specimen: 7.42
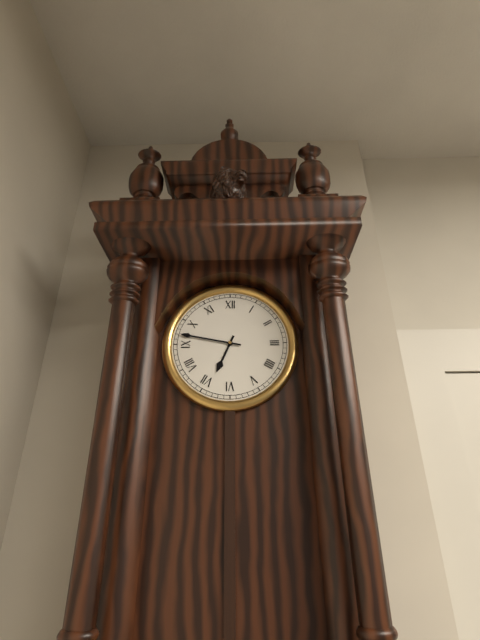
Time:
6.47
